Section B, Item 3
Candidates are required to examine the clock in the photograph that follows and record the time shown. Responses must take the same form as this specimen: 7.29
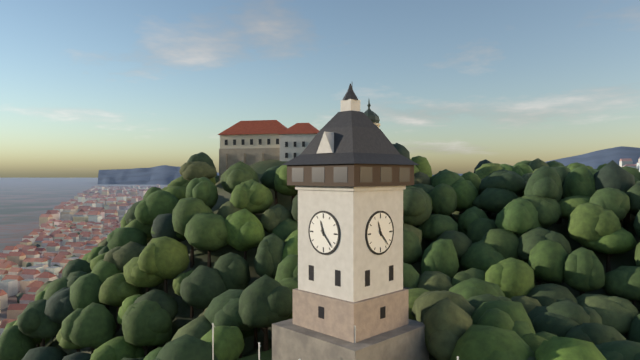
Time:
11.23
